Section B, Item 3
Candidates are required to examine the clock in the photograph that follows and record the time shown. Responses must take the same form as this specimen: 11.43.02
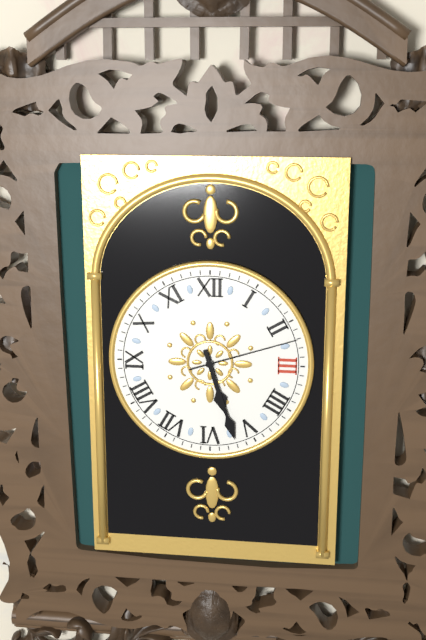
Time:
5.27.12
